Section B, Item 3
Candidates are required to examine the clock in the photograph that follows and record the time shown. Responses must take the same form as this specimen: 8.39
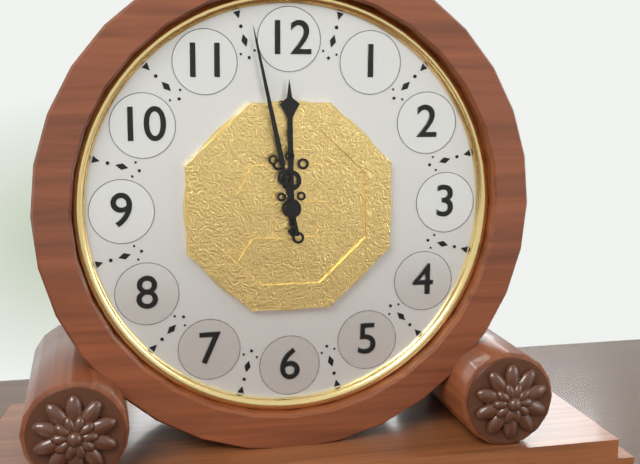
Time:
11.58
